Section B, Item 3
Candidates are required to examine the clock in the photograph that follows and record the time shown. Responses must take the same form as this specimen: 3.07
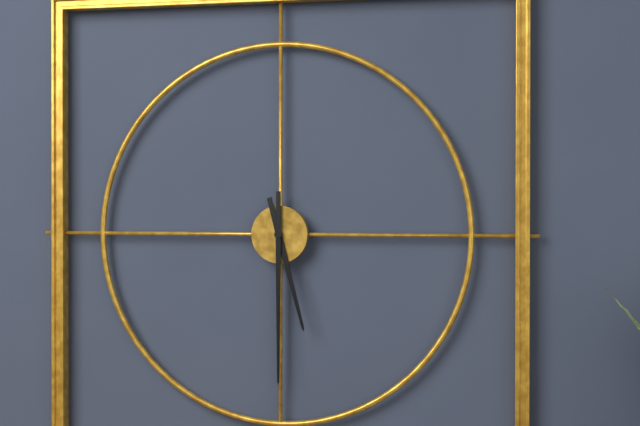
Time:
5.30
